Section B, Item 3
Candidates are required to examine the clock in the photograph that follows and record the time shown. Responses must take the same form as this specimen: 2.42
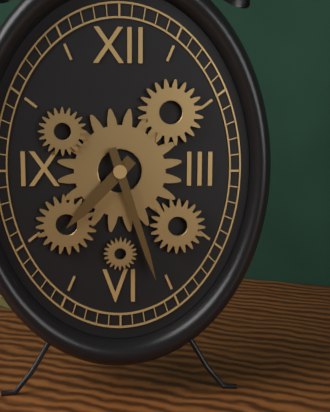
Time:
7.27
